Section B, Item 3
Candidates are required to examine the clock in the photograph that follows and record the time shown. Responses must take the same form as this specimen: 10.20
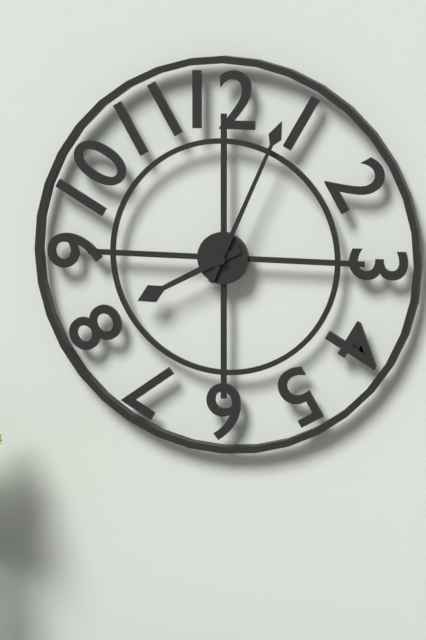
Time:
8.04
